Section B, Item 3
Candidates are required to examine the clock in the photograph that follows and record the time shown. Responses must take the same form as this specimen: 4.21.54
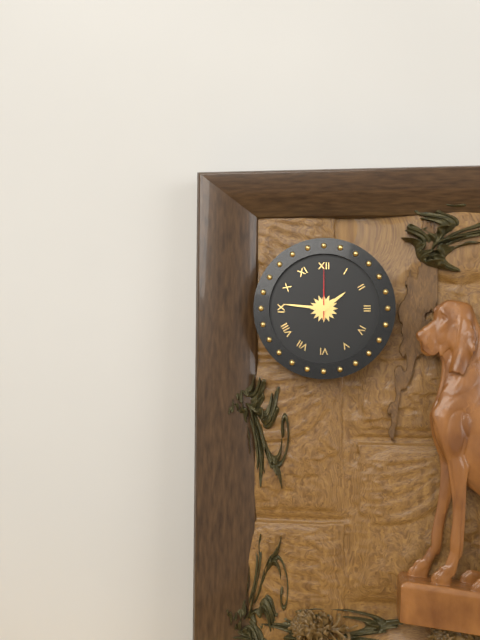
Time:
1.46.00
